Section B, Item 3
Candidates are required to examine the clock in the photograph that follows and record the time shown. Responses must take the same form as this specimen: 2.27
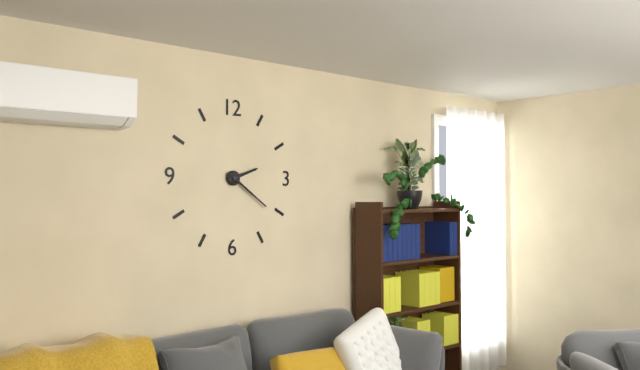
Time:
2.21
